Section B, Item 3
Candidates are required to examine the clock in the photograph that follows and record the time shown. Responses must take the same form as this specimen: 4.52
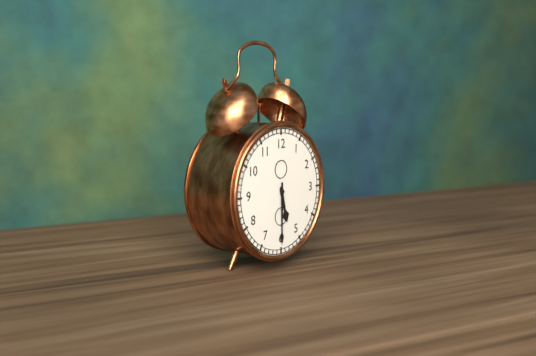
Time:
5.30
